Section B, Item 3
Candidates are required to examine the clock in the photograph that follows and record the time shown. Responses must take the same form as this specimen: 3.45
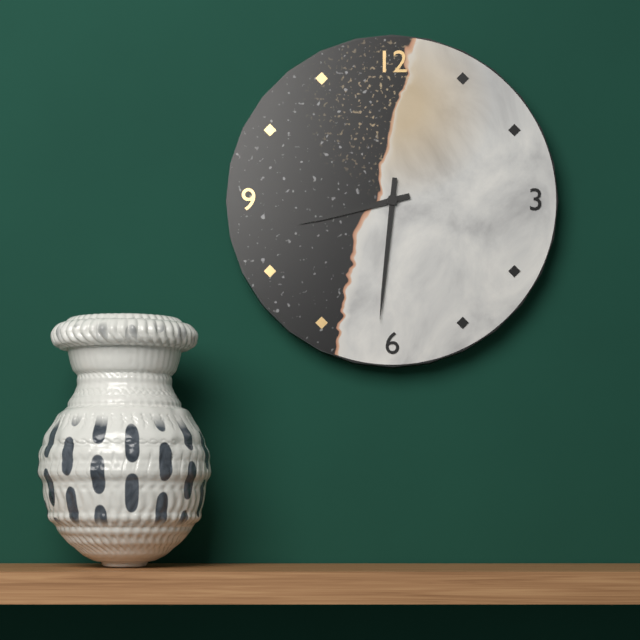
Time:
8.31
